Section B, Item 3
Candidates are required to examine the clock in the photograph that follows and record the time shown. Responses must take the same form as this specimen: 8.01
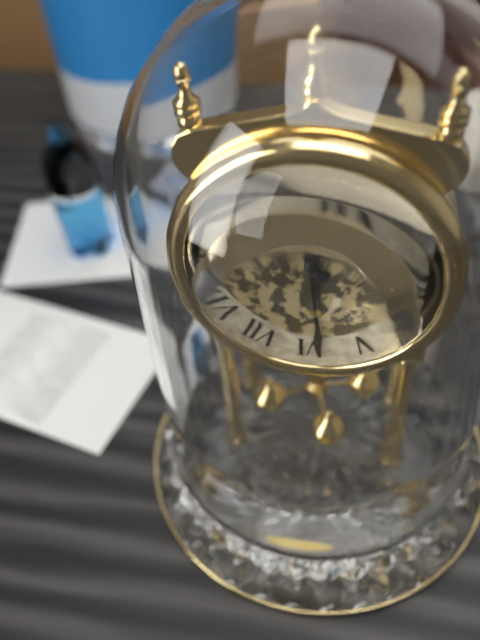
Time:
10.29
